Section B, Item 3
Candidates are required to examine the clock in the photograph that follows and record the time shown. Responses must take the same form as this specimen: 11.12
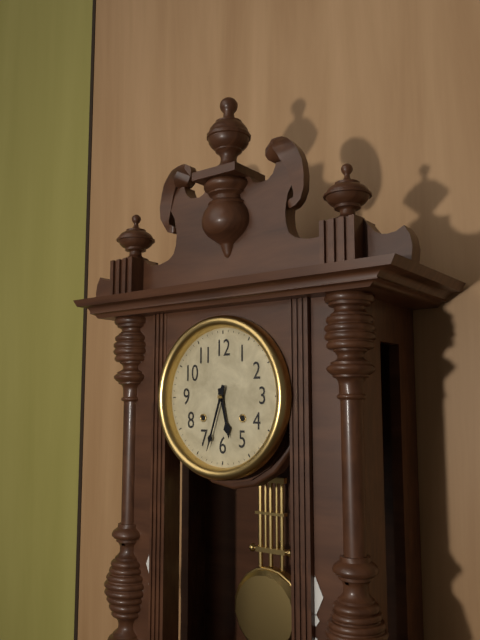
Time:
5.33
